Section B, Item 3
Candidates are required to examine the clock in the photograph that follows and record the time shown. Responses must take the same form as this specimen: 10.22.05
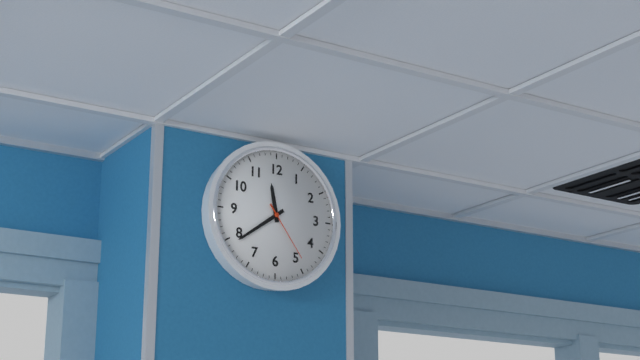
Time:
11.39.24
